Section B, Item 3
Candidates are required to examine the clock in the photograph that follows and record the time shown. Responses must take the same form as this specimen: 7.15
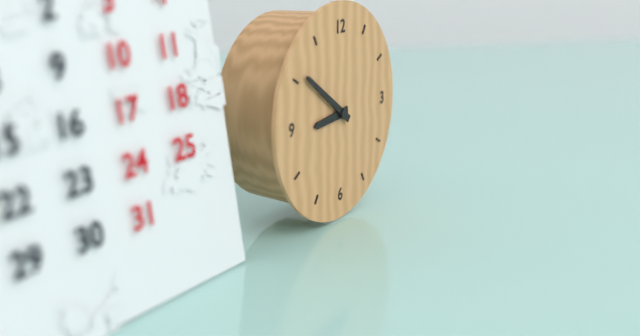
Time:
8.51
